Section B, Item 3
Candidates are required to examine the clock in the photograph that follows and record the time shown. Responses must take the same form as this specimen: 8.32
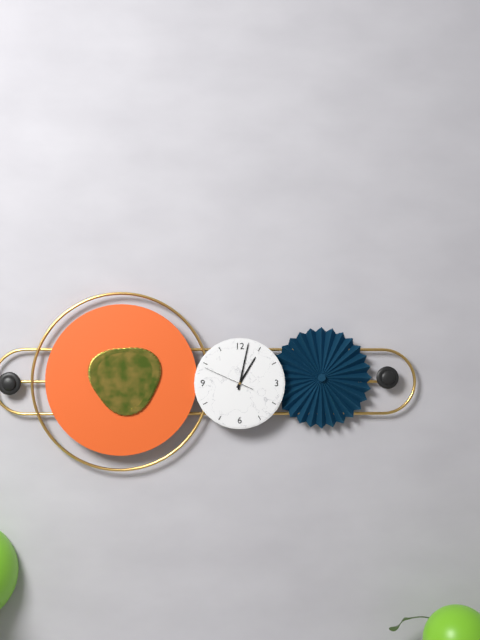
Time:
1.02
